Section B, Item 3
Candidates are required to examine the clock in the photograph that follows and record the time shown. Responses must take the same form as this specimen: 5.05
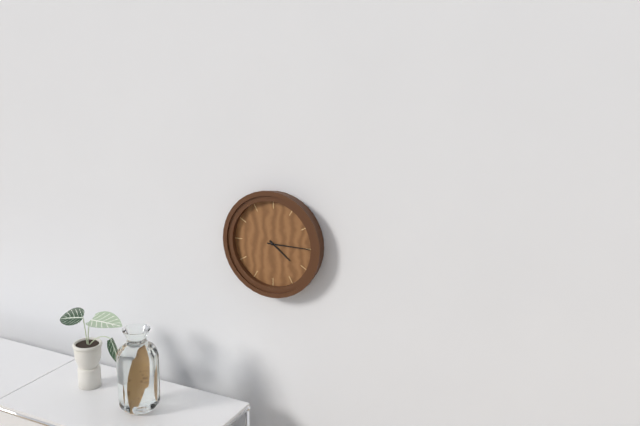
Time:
4.15
